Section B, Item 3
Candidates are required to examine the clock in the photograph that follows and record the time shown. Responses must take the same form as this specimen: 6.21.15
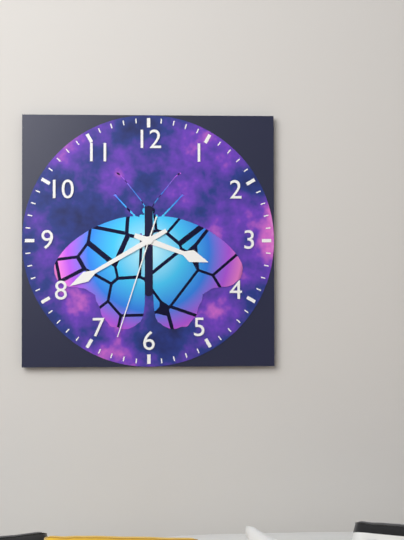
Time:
3.40.33
